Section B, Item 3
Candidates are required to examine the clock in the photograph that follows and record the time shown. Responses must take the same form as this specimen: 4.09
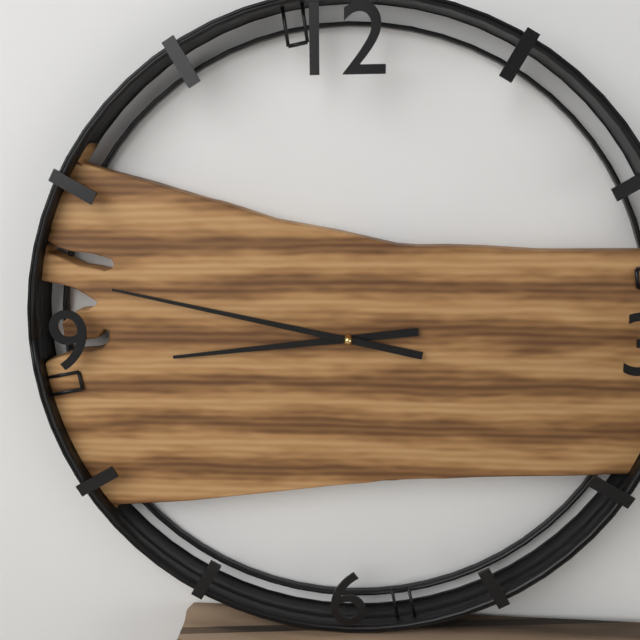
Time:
8.47
